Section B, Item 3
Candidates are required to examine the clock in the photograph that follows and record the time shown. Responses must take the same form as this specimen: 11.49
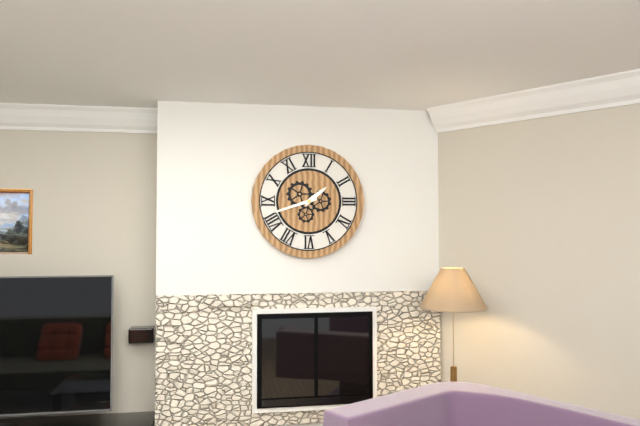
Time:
1.42
